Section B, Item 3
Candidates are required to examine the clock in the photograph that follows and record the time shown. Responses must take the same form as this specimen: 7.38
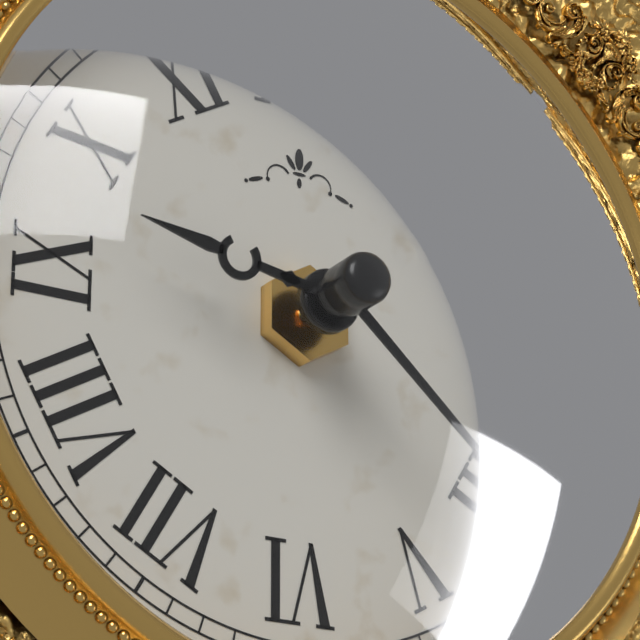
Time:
9.22
